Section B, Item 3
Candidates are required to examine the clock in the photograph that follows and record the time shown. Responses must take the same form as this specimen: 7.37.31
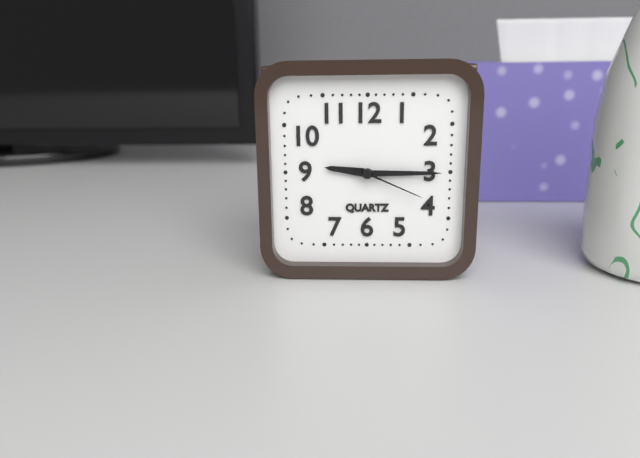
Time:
9.15.19
